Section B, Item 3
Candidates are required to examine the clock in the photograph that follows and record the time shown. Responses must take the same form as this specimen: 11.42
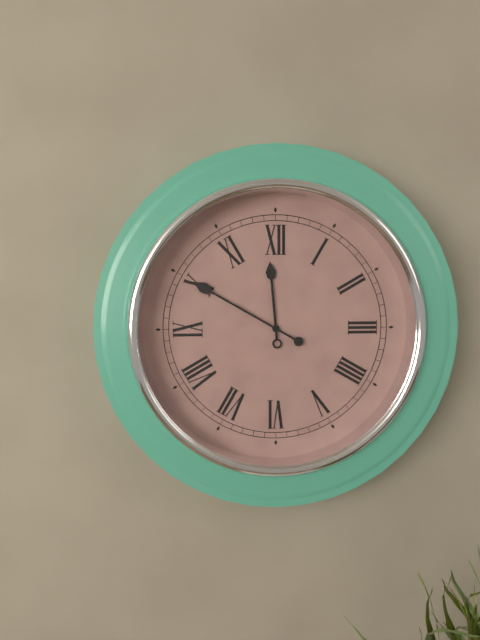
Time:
11.50
